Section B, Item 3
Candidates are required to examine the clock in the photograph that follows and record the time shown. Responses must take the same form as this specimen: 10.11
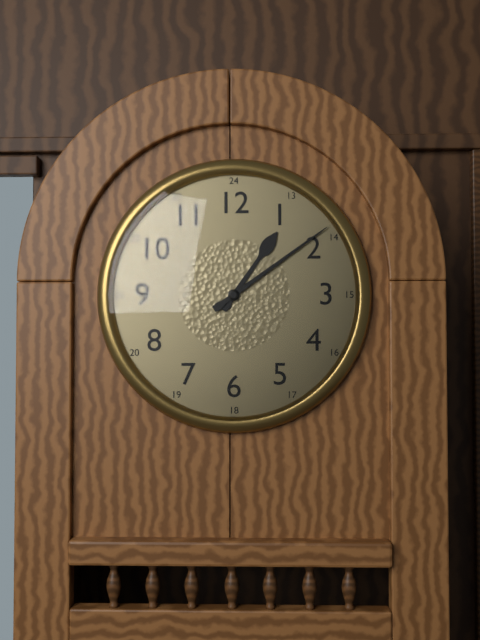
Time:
1.09
